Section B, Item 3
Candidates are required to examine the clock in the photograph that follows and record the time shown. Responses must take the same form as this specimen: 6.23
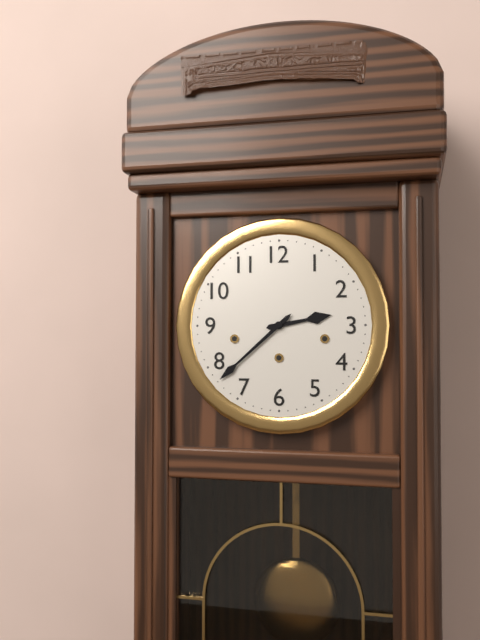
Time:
2.38
